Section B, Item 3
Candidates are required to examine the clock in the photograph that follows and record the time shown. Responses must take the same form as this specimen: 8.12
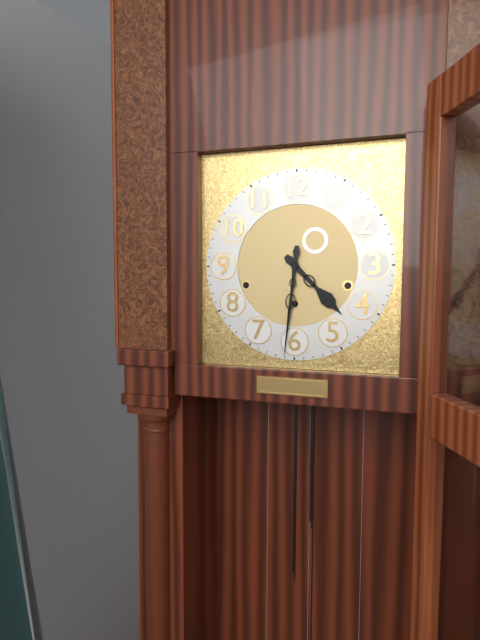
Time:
4.31
